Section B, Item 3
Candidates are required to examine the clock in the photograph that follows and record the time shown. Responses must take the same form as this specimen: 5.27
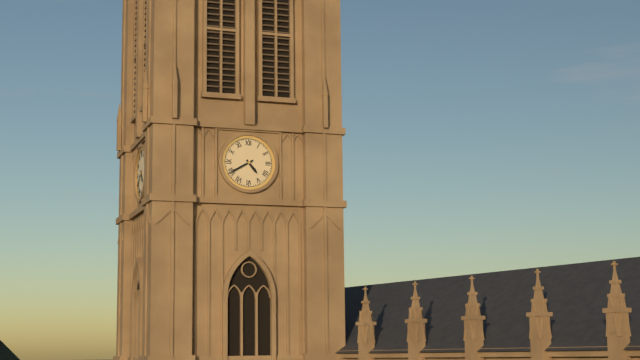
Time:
4.40
